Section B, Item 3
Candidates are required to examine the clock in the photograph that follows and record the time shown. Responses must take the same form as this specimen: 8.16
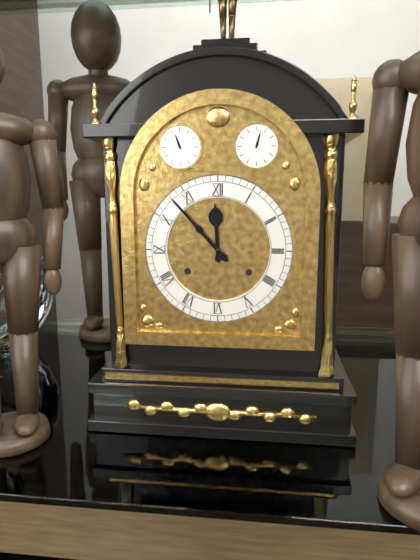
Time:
11.53
